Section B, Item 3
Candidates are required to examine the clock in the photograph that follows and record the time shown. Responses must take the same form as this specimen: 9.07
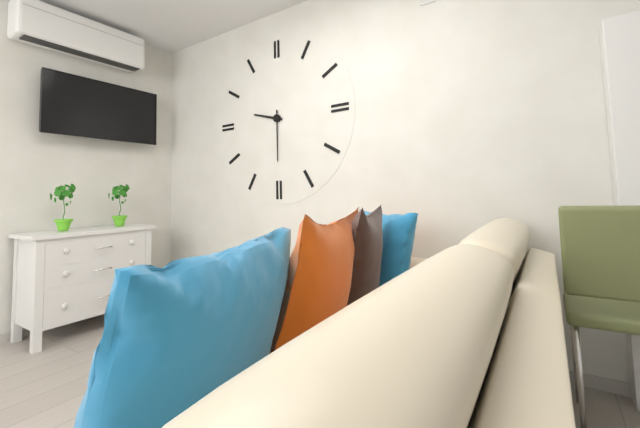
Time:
9.30
